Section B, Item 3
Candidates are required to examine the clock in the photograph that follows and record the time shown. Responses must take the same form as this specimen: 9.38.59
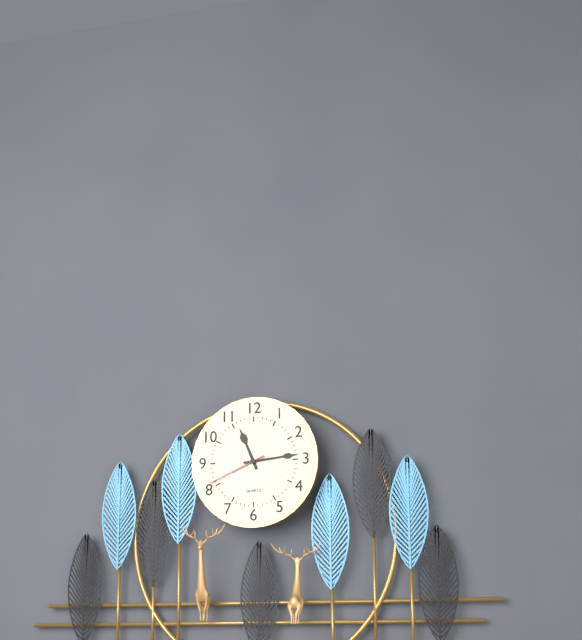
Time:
11.14.41
